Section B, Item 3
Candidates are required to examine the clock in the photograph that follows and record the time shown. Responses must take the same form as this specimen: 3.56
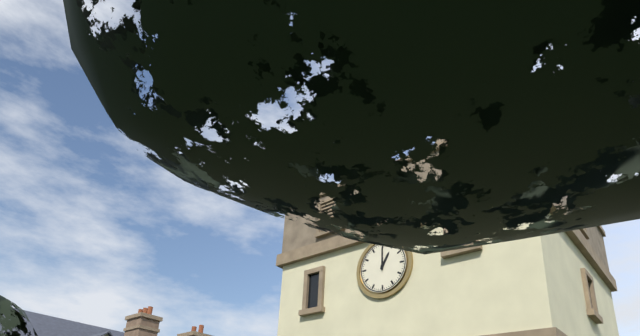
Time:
1.00
